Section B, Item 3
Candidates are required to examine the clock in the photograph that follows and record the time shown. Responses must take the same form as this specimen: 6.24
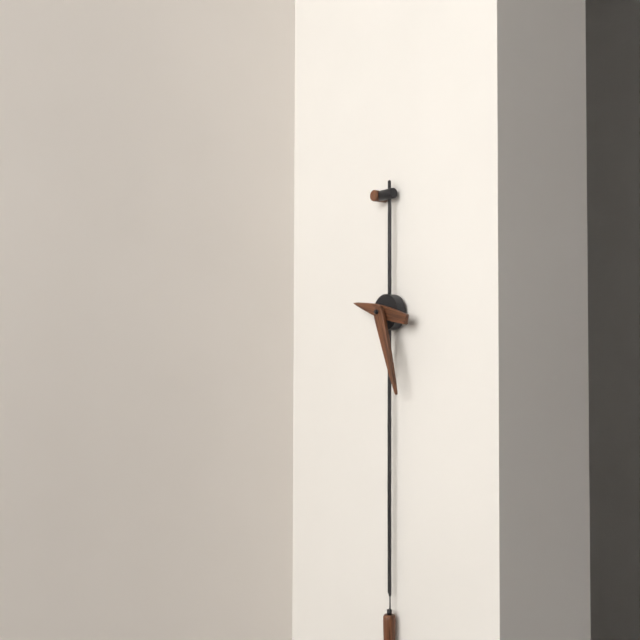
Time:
9.27
